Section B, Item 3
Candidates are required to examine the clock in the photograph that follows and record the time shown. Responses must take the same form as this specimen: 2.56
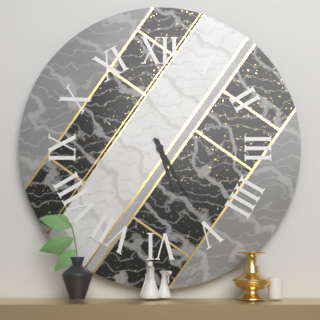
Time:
5.25
